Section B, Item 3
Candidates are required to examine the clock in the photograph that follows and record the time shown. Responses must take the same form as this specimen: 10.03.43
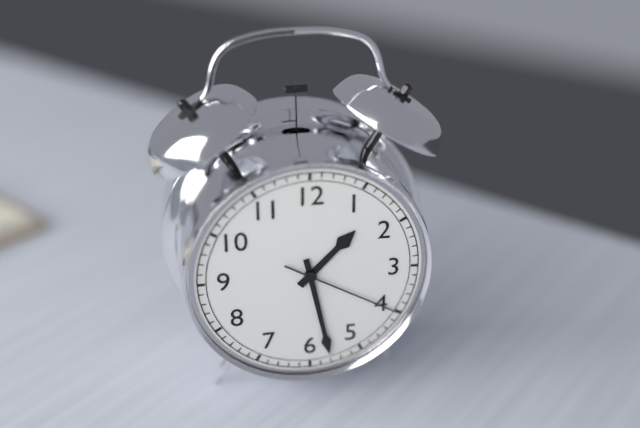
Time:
1.28.20
